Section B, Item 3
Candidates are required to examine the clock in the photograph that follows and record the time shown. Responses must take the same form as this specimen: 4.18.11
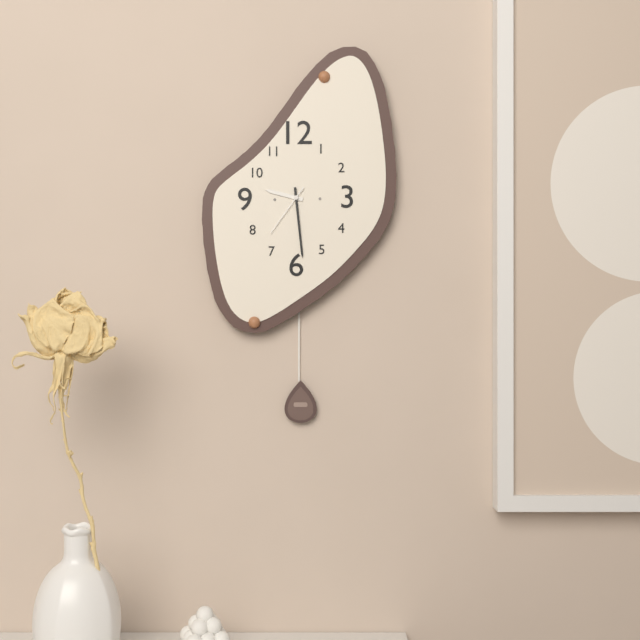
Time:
9.29.36
